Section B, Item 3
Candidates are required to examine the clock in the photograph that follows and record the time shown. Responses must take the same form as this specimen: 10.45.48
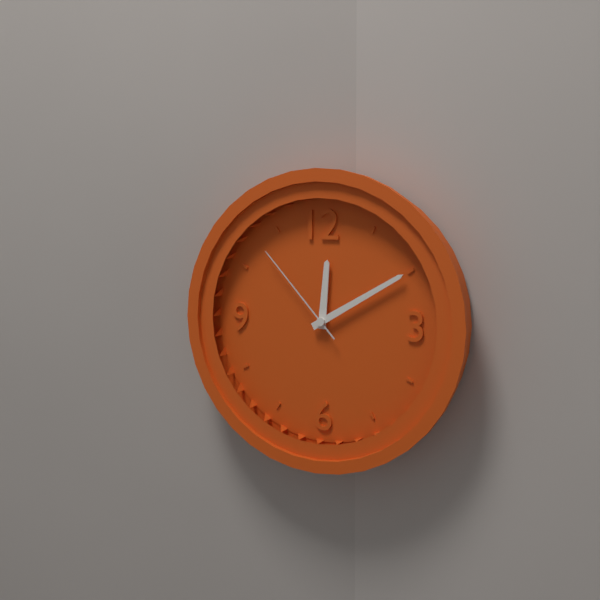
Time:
12.10.53
